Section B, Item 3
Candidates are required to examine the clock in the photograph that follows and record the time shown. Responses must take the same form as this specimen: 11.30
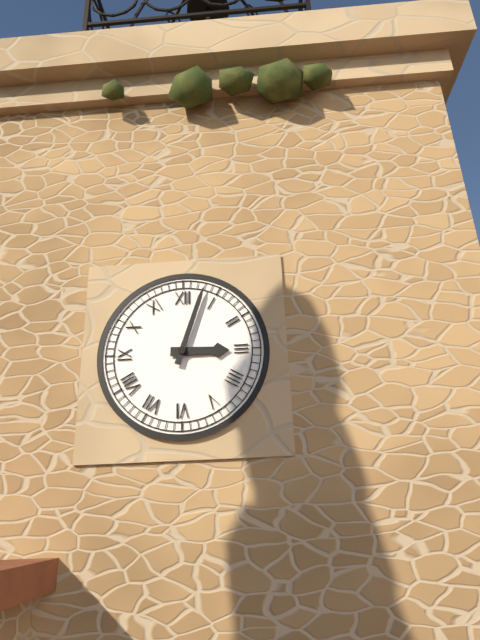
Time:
3.03
